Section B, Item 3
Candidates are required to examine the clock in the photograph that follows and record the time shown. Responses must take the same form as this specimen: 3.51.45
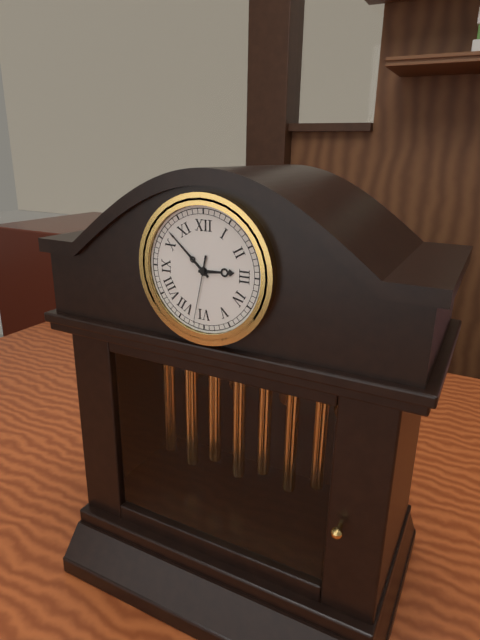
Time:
2.52.32
